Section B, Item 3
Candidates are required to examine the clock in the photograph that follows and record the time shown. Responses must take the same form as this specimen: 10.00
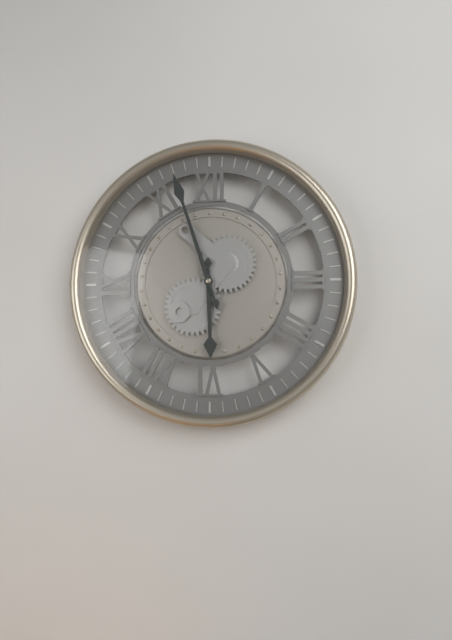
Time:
5.57
